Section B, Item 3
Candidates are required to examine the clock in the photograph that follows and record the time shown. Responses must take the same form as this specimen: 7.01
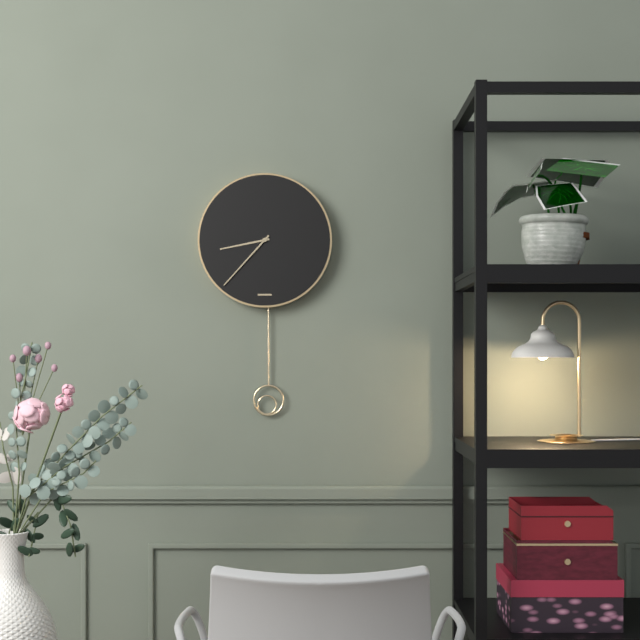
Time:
8.37
